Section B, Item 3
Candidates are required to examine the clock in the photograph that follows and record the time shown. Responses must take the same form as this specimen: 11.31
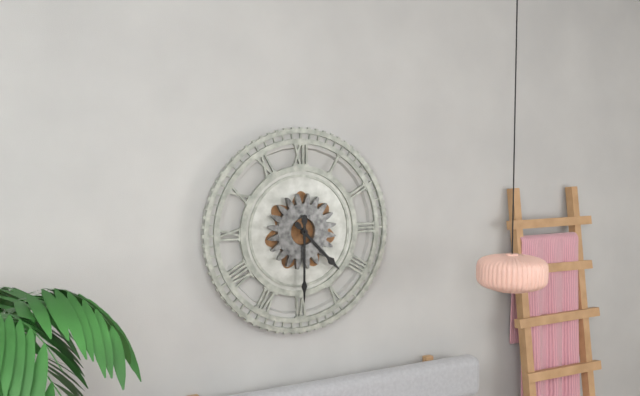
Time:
4.30
